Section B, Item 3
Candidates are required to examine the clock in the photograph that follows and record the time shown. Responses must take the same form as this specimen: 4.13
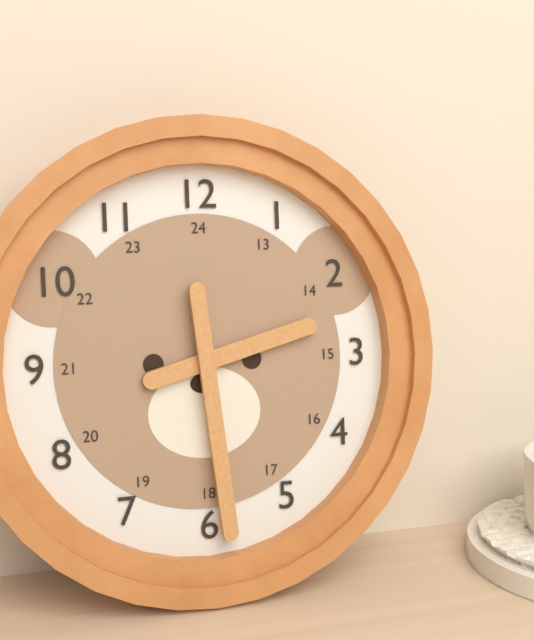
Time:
2.29
